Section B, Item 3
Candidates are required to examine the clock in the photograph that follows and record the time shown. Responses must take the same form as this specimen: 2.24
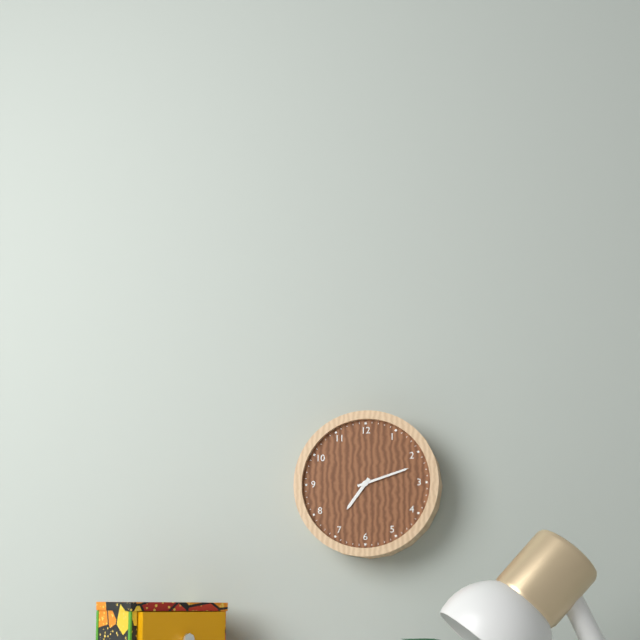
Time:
7.12
